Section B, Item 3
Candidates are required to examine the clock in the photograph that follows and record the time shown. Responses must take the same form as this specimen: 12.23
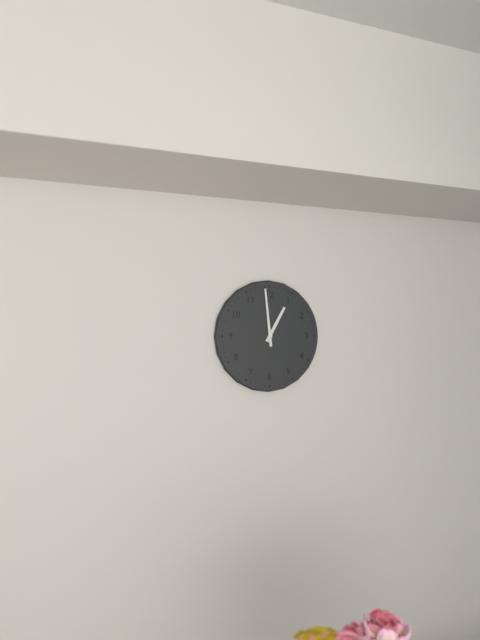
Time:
12.59
